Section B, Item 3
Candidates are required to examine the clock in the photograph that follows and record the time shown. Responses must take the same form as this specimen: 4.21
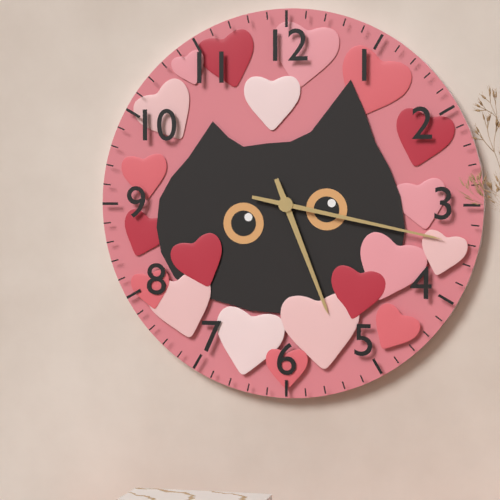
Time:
5.17
